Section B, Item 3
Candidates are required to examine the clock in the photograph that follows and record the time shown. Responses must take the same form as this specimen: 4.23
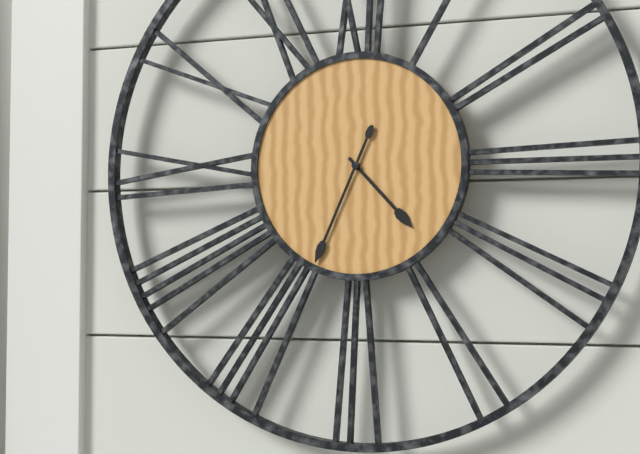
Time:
4.34
